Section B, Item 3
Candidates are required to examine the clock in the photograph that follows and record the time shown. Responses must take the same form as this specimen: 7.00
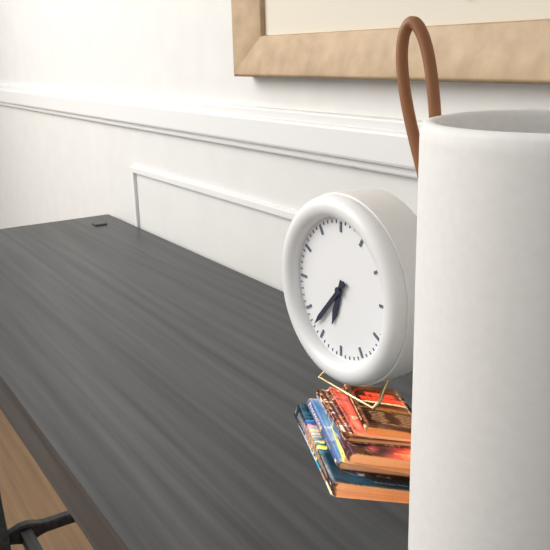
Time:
6.37
